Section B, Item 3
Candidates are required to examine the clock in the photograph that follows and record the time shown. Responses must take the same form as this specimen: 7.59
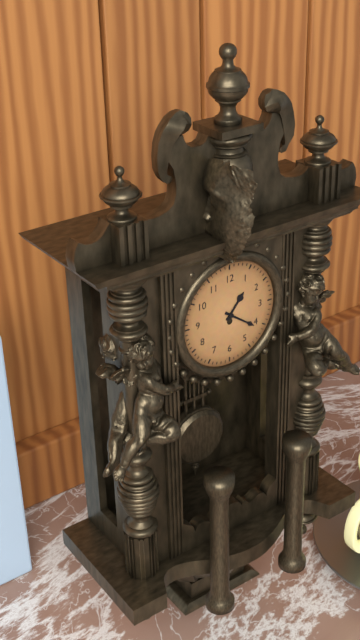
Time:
1.21
